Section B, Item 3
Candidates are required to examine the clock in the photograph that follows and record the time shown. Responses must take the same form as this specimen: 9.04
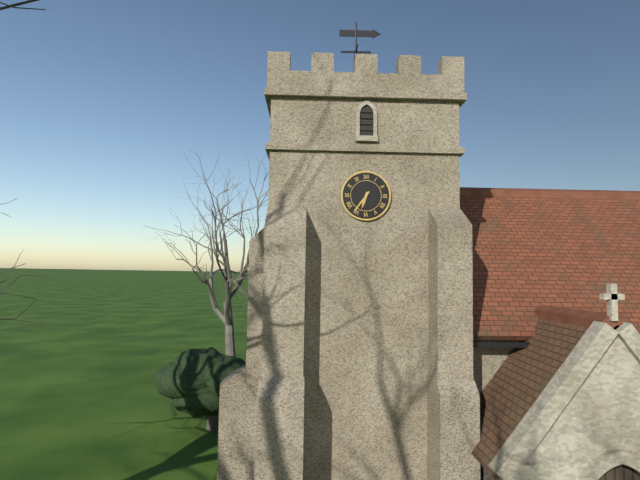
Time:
6.36
